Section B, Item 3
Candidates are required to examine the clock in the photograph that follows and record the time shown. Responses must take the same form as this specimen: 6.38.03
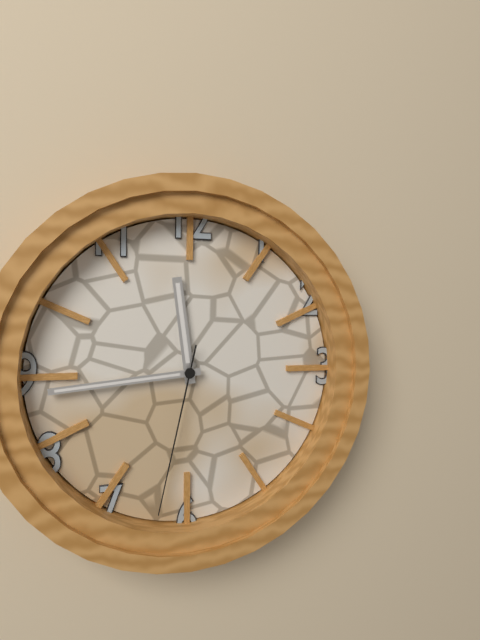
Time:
11.44.32
